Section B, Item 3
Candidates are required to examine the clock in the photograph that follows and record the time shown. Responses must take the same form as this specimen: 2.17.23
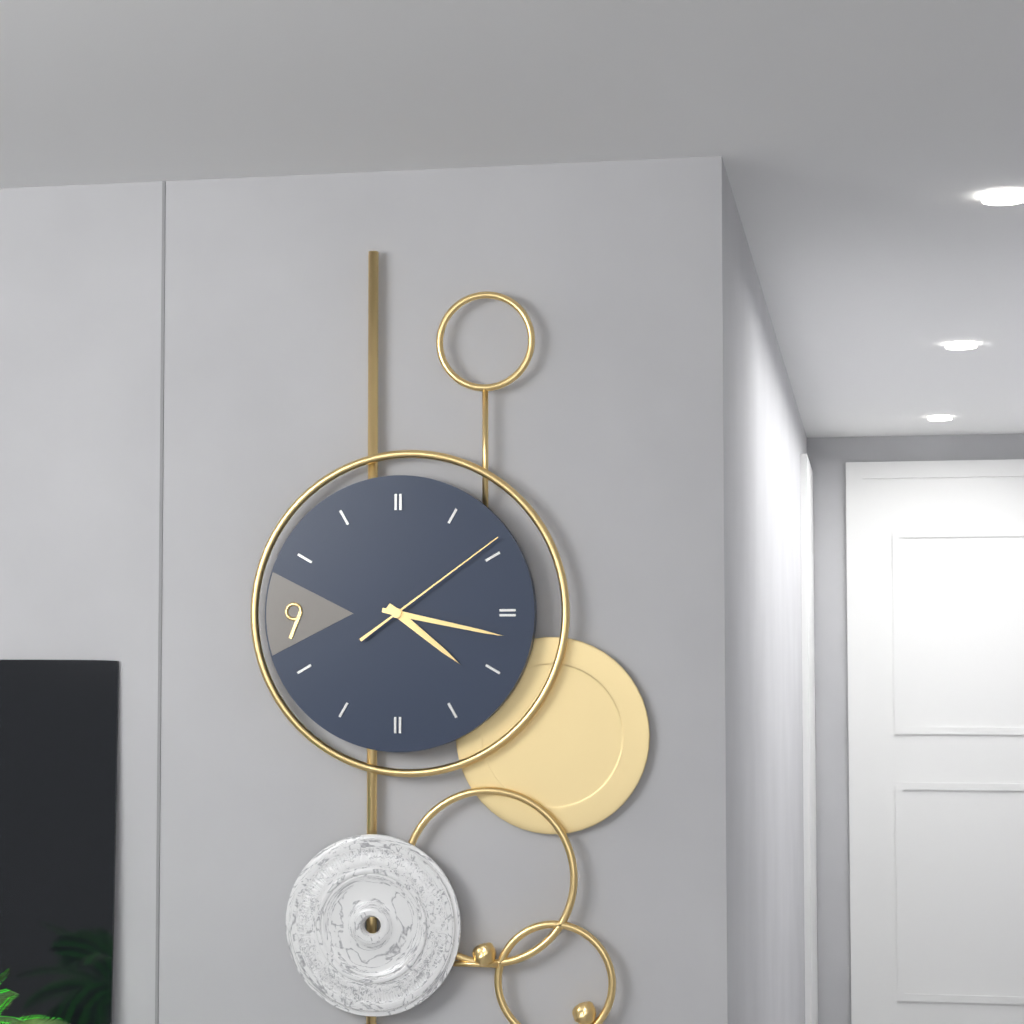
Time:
4.17.09
